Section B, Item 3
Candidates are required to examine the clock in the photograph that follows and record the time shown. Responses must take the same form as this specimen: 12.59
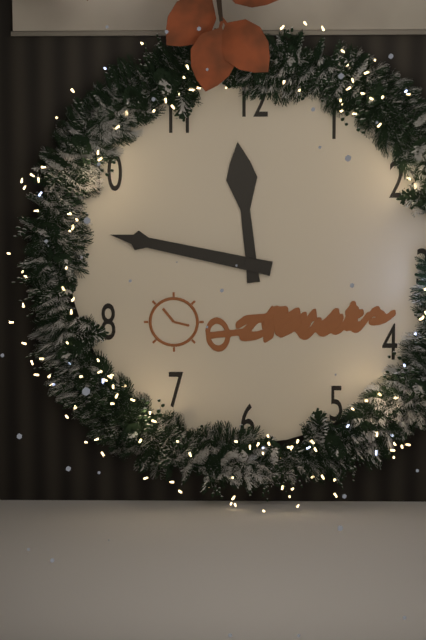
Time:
11.47
